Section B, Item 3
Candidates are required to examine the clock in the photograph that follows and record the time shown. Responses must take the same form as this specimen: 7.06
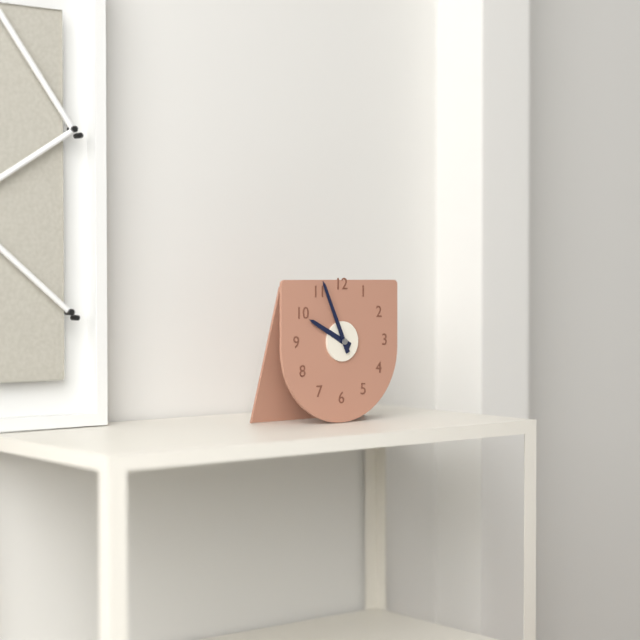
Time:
9.56
